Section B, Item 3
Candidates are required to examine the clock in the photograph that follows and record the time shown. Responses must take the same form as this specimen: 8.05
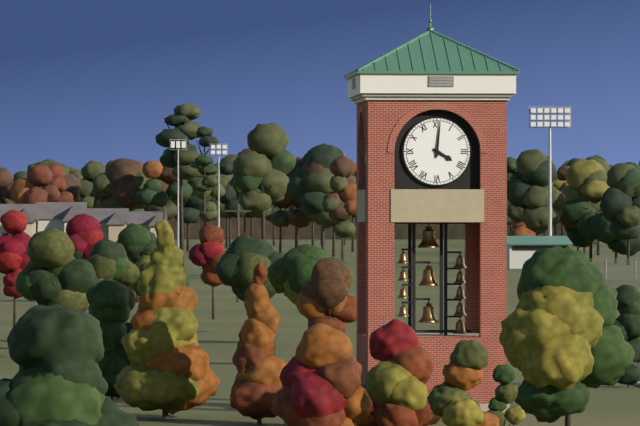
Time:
4.01
